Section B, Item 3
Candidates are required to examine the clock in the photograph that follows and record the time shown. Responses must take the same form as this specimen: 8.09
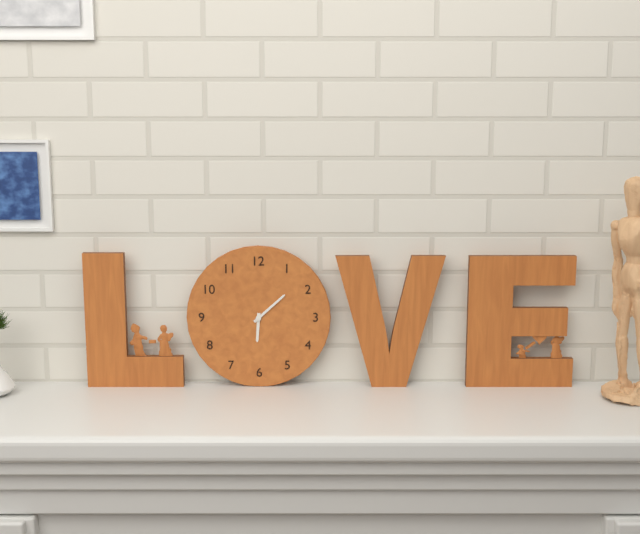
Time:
6.08
